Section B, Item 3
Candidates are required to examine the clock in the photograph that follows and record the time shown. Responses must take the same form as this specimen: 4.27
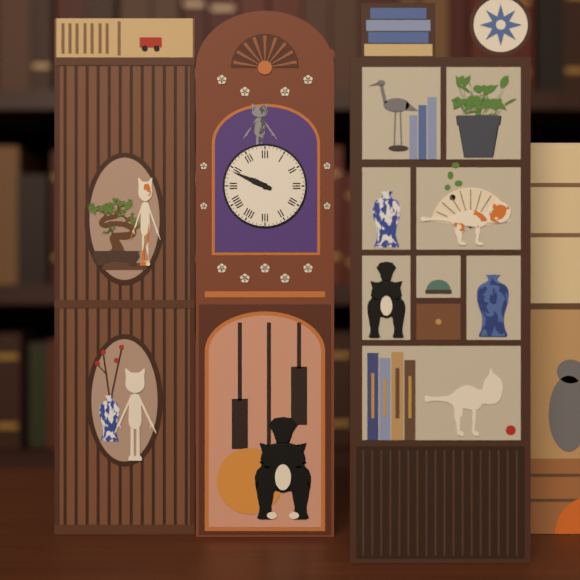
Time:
9.49
